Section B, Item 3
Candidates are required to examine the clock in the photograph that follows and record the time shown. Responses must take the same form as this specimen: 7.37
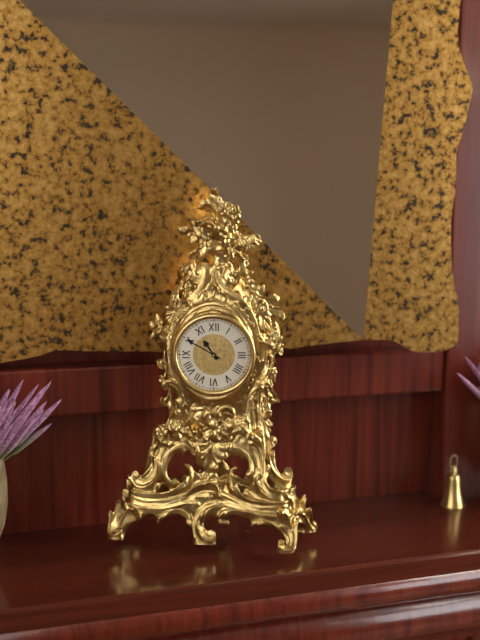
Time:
10.50
